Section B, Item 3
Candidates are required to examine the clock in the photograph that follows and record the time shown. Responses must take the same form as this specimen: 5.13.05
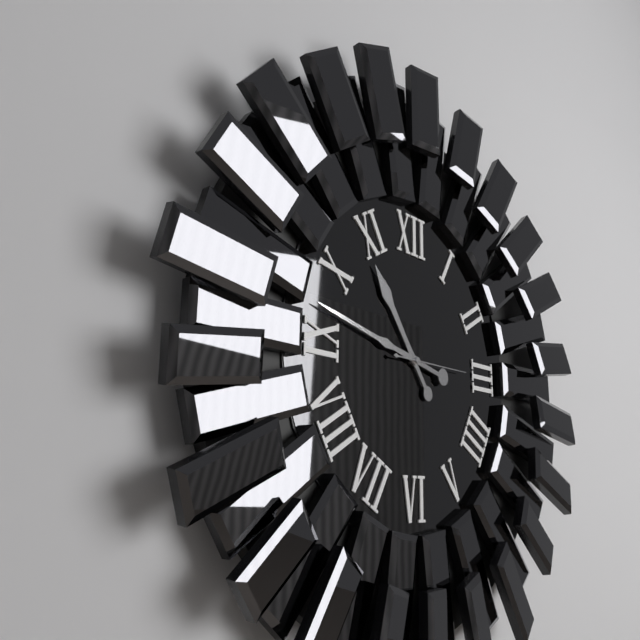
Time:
10.47.15
